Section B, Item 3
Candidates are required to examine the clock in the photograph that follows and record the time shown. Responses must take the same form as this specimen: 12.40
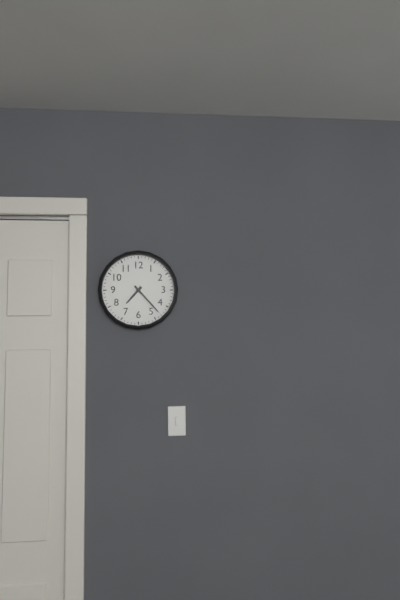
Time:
7.23
